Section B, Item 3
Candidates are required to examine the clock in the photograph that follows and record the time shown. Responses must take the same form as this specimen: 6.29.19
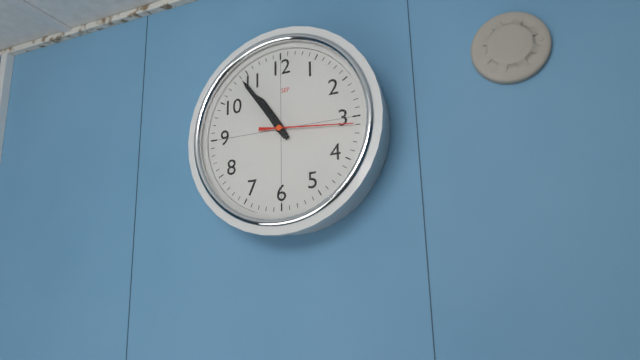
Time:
10.54.16
